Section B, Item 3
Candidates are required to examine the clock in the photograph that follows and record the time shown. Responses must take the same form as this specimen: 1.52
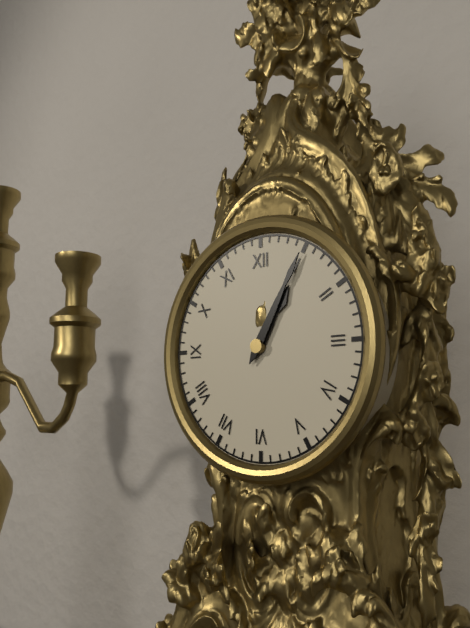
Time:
1.05
